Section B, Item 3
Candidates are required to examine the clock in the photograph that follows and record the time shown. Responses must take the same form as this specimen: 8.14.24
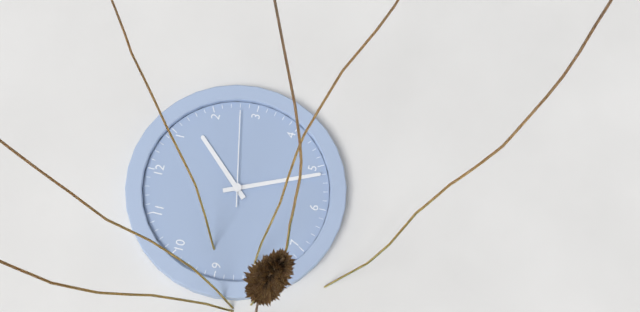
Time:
1.26.13
